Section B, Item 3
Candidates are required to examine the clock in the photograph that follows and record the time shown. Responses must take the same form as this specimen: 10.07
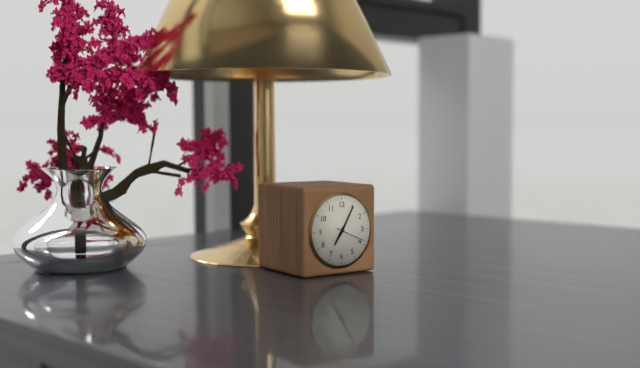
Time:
7.05
